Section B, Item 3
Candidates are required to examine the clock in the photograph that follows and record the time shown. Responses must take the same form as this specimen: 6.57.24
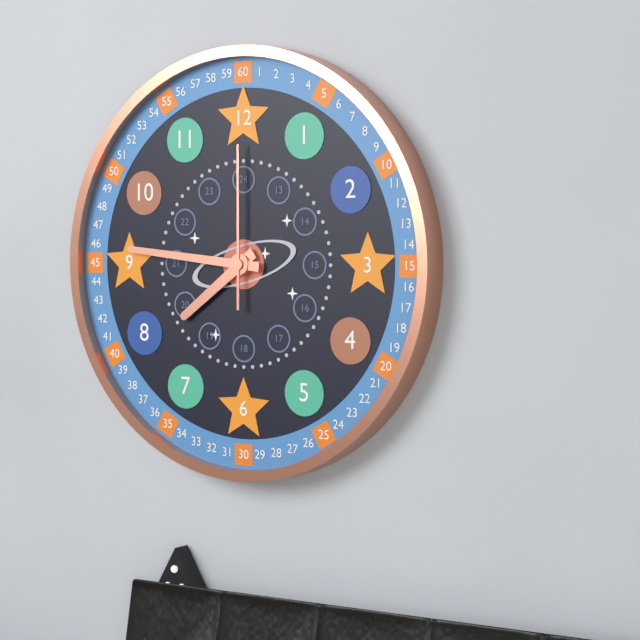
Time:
7.46.00
